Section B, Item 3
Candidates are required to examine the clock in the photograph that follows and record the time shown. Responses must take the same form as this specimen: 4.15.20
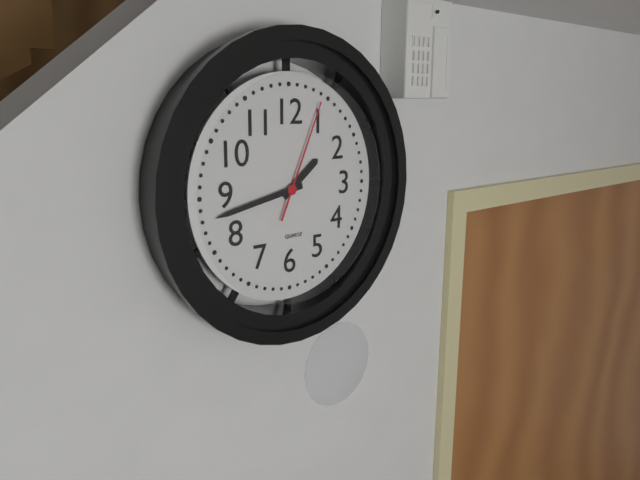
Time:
1.43.04
